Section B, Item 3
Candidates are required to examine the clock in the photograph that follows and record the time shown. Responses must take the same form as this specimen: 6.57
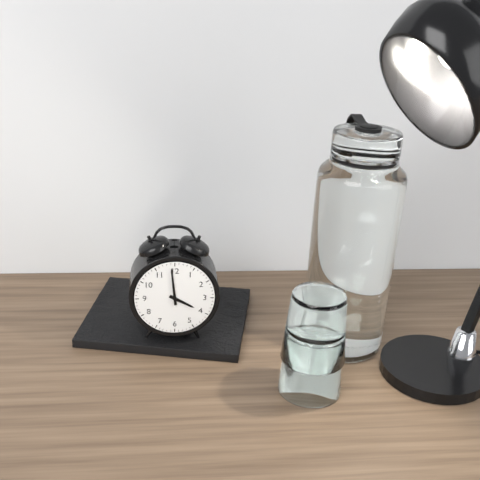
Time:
3.59
